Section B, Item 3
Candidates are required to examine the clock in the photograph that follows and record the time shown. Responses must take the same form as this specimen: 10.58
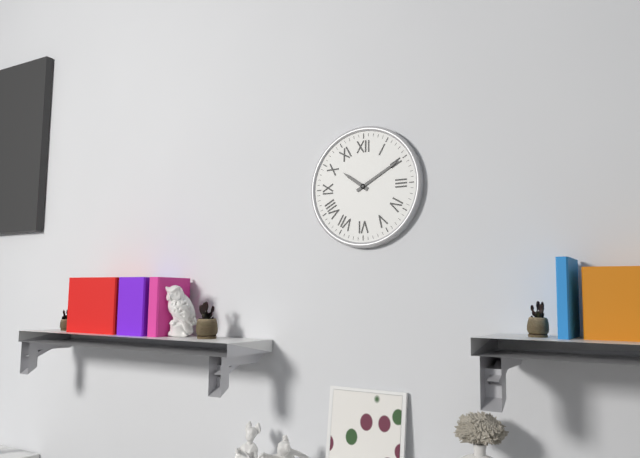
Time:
10.10
